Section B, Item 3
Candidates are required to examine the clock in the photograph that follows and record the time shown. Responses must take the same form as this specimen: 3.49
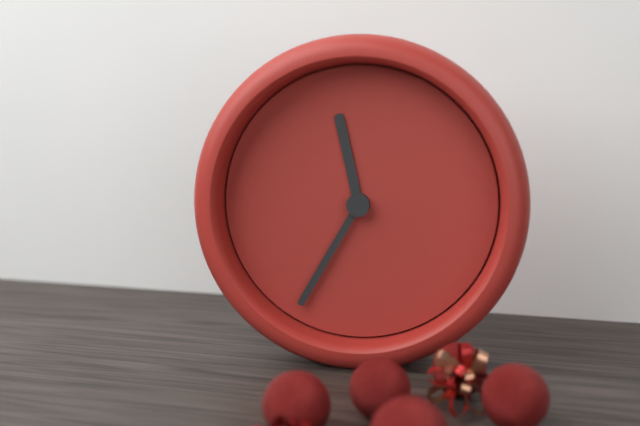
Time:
11.35
